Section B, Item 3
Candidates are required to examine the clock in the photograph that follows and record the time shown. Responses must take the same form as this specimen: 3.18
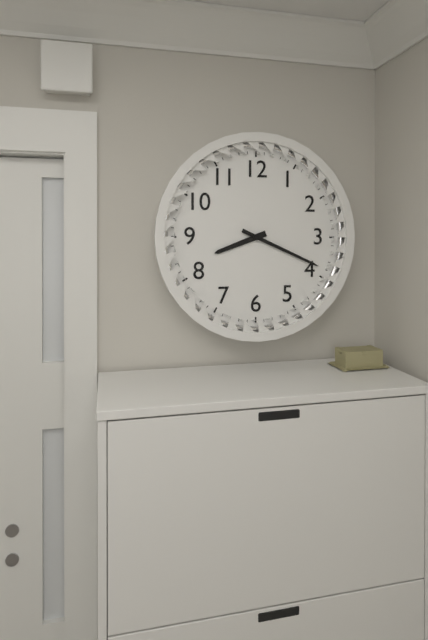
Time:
8.19
